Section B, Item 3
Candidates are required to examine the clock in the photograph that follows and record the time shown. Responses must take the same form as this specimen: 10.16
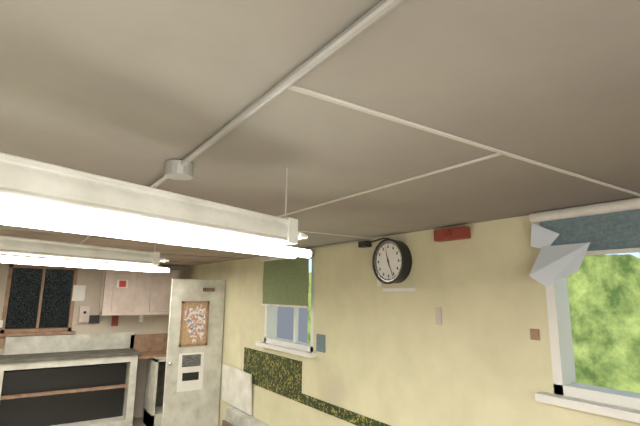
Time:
11.26
